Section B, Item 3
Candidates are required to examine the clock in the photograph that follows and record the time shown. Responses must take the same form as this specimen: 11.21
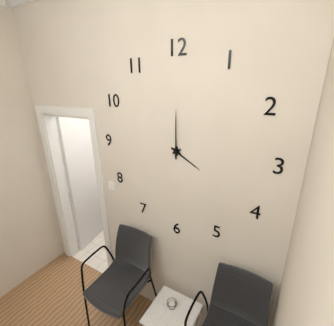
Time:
4.00
